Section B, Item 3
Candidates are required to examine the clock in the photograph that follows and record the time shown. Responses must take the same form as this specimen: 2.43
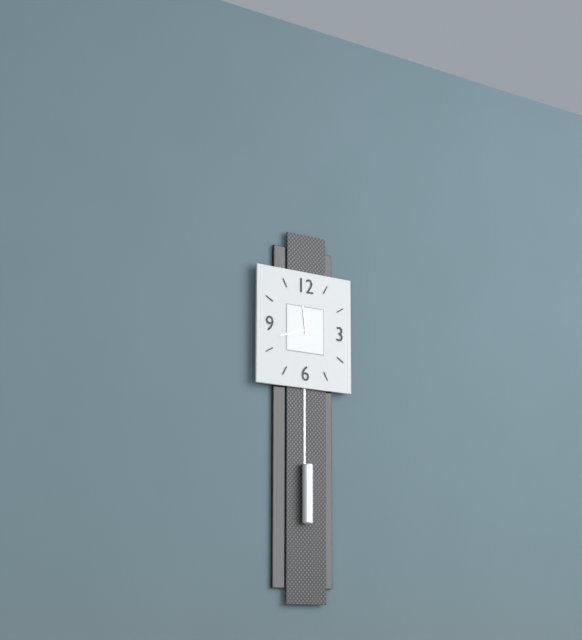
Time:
11.42
